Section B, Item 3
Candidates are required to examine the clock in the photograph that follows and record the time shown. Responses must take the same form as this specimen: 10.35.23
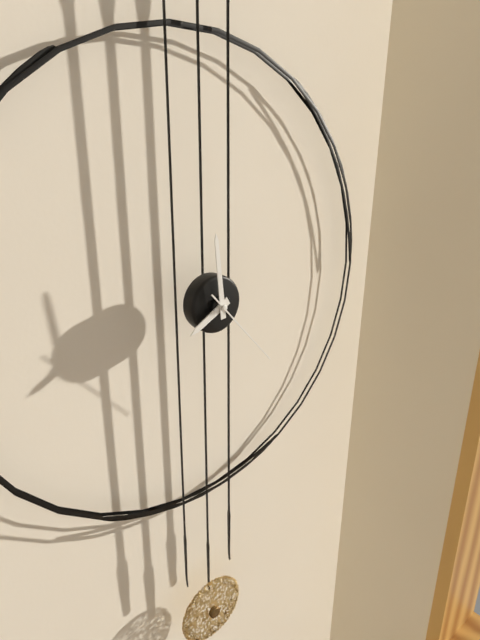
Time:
7.59.23
